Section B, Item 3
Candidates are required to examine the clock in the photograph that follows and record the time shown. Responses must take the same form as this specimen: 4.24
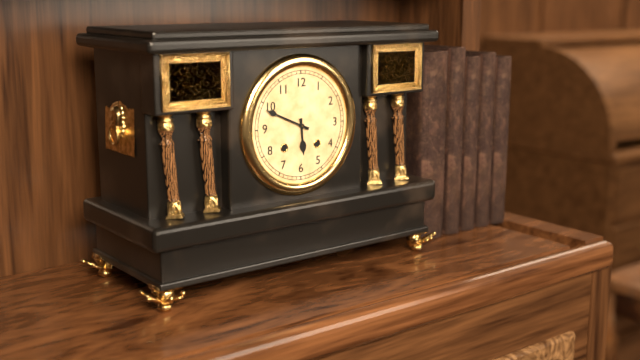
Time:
5.49
